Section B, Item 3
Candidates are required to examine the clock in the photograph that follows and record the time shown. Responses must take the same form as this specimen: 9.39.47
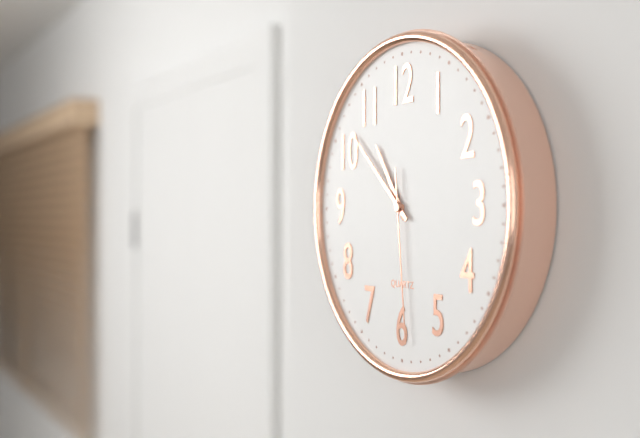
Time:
10.52.29
